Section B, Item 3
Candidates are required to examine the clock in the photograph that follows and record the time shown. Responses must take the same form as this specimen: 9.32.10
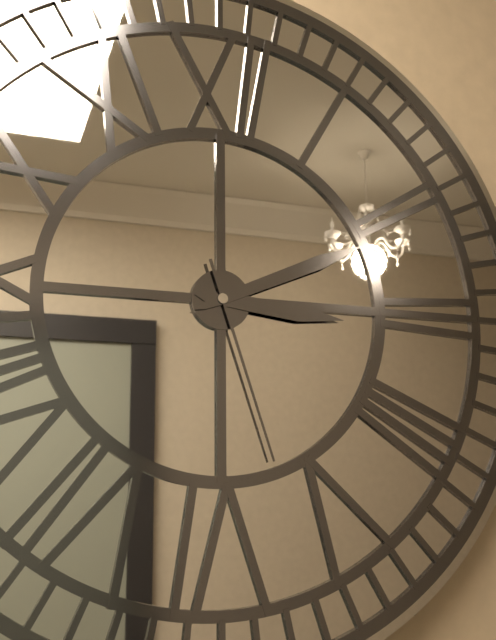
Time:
3.11.27
